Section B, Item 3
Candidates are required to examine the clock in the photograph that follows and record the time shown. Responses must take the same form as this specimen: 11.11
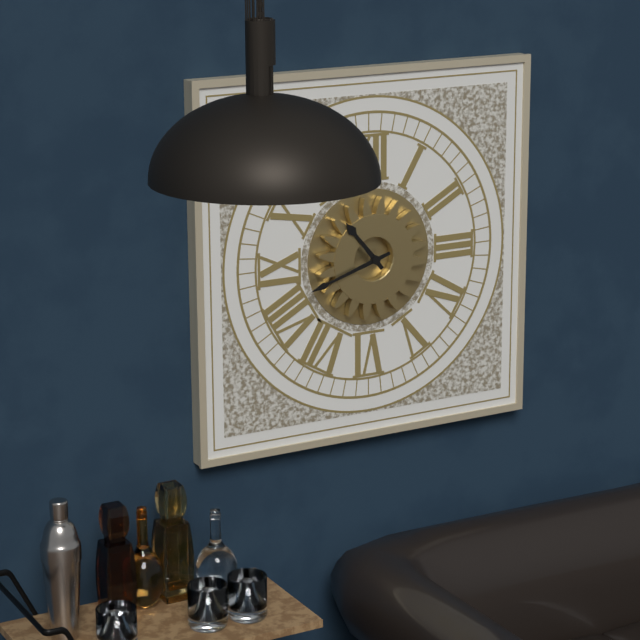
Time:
10.42
